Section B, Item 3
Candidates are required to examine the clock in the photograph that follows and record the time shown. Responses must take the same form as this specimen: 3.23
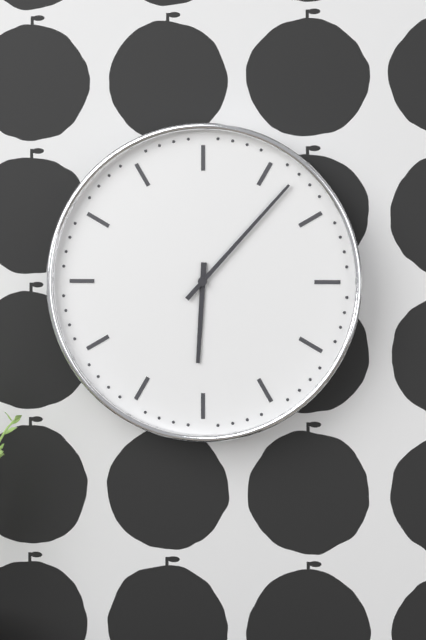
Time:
6.07
